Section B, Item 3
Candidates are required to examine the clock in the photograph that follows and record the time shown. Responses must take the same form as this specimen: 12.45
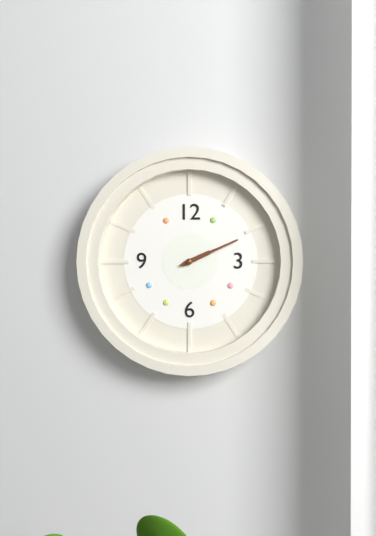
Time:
2.11
